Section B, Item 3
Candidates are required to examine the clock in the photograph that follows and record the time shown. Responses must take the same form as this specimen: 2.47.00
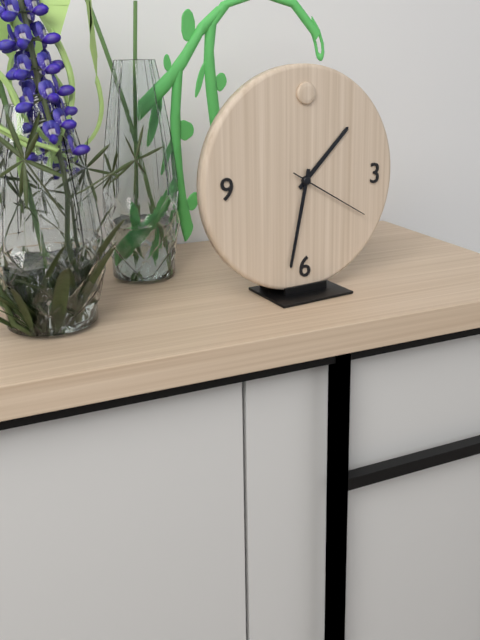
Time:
1.32.20
